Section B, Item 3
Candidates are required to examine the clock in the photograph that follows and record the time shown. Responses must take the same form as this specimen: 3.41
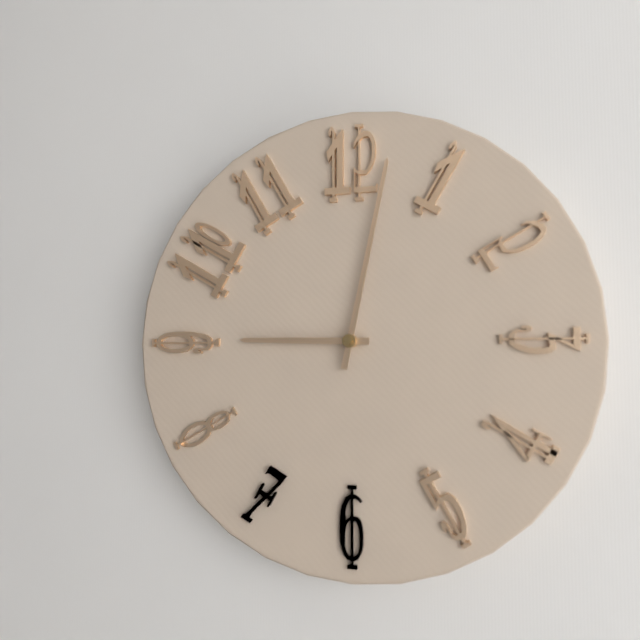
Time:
9.02
